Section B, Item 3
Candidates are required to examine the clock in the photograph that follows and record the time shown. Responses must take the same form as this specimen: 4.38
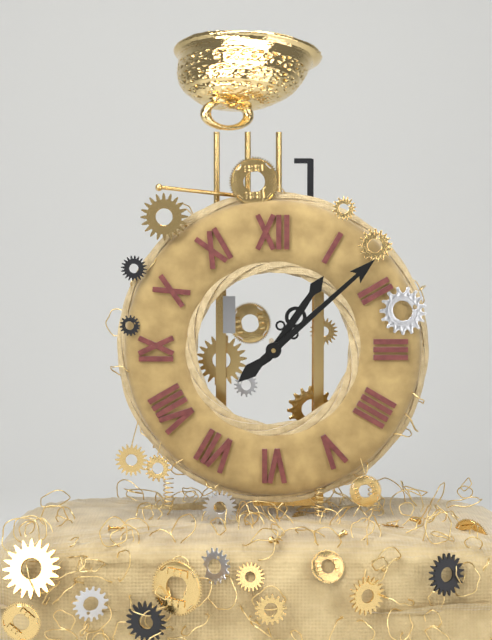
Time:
1.08
